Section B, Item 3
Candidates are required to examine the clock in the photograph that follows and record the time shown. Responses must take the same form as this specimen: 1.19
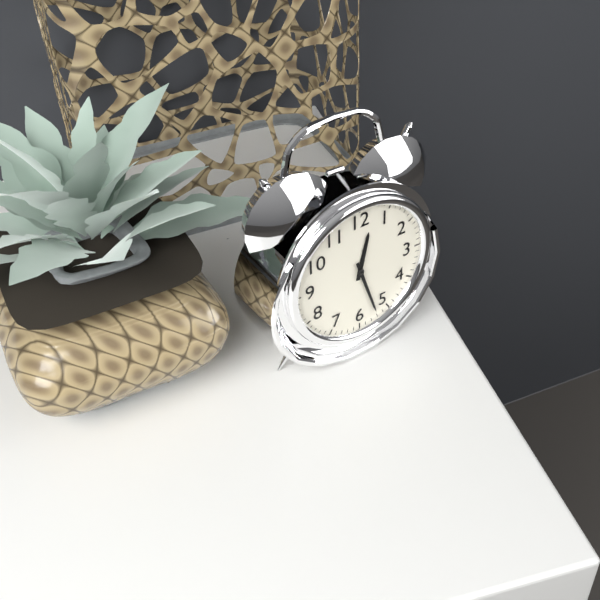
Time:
12.27
